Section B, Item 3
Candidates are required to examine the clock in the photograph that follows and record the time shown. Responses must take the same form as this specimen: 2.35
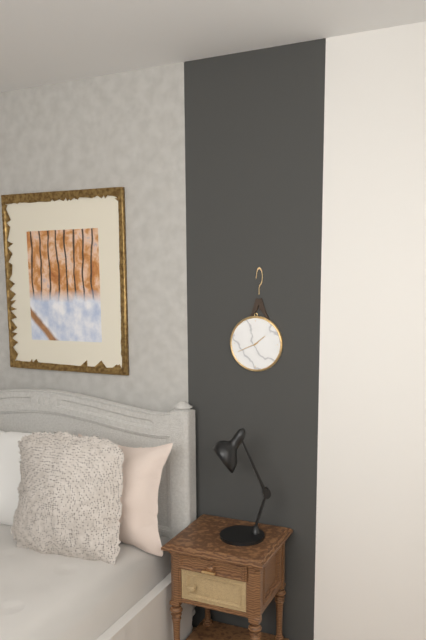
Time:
1.41
